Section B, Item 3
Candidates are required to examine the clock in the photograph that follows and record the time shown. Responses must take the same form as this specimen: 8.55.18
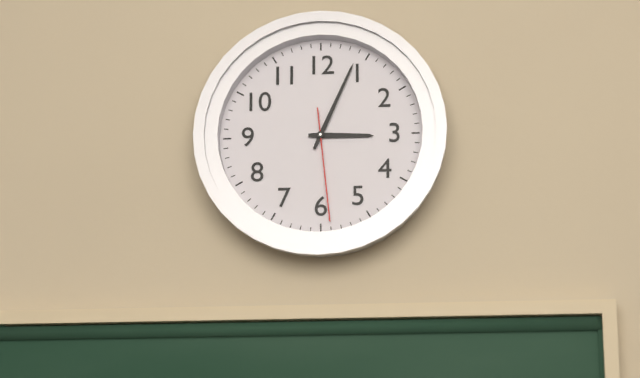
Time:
3.04.29
